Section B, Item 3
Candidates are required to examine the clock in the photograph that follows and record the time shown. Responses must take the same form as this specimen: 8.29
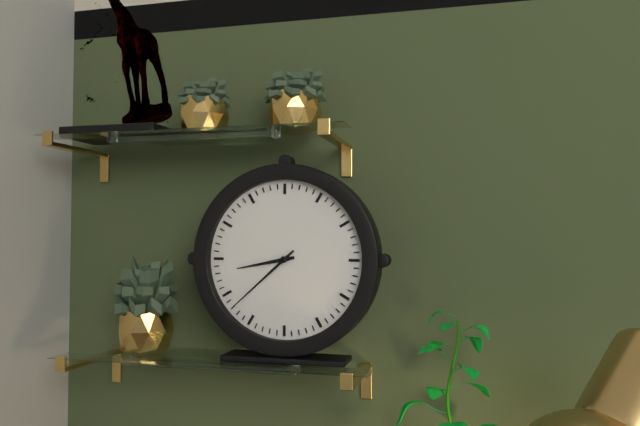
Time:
8.38
